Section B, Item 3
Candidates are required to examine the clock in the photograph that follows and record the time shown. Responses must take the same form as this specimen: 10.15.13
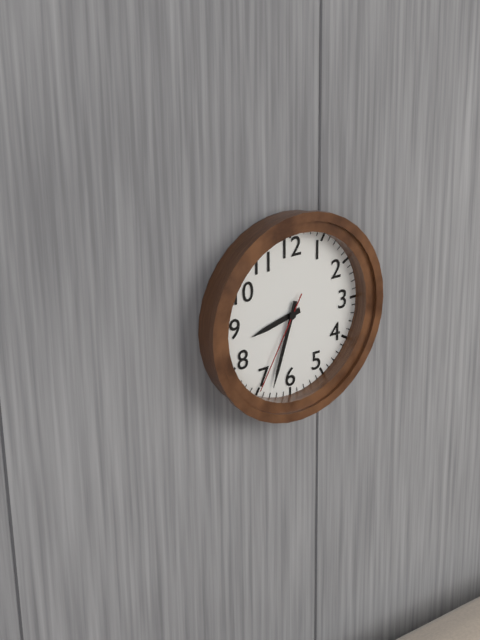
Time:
8.33.35
